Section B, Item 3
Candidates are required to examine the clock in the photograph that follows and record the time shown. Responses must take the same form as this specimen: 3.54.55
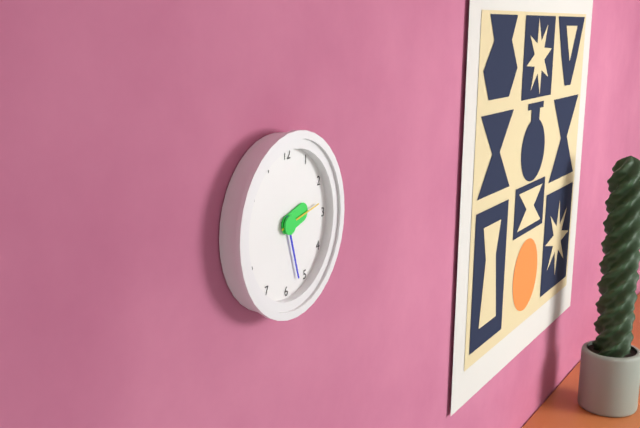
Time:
2.27.13
